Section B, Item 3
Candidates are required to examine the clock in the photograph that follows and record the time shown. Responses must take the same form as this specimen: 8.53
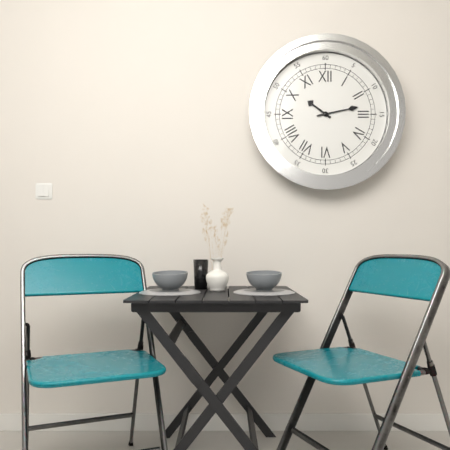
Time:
10.13
